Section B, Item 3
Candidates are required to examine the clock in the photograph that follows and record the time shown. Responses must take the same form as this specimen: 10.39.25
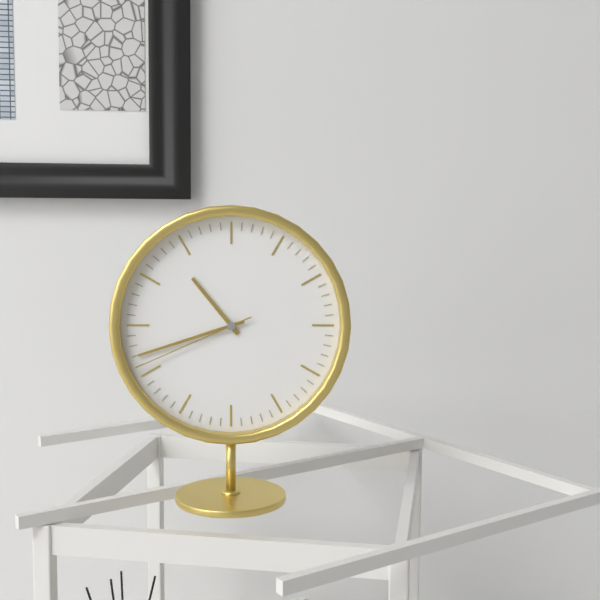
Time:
10.42.41
